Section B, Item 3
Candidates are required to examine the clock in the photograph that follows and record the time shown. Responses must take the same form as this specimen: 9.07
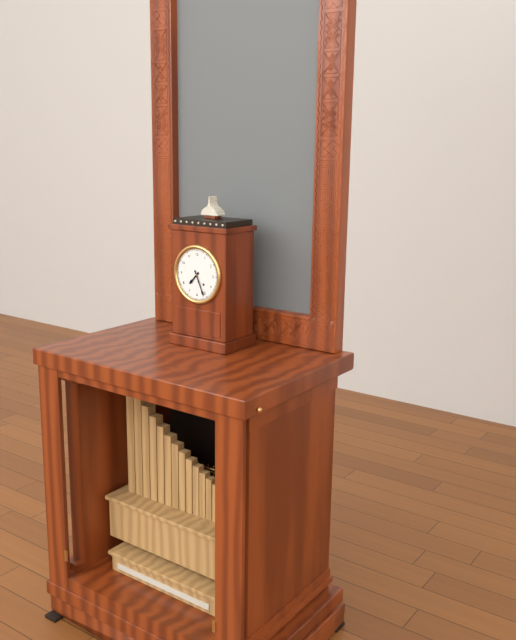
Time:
7.26
